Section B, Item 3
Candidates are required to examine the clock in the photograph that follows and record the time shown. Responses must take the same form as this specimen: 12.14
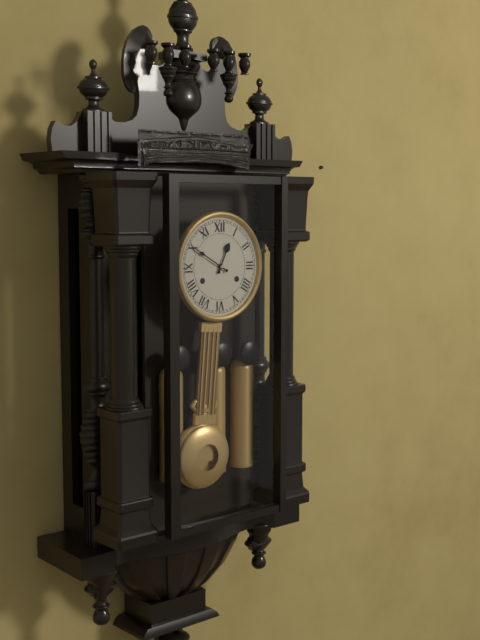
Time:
12.50
